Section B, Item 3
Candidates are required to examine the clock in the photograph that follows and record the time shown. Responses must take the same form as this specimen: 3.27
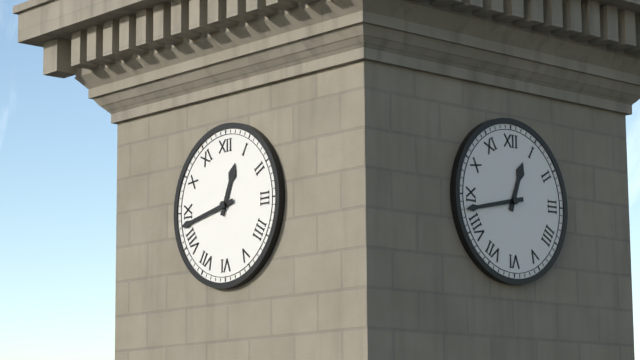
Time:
12.43
